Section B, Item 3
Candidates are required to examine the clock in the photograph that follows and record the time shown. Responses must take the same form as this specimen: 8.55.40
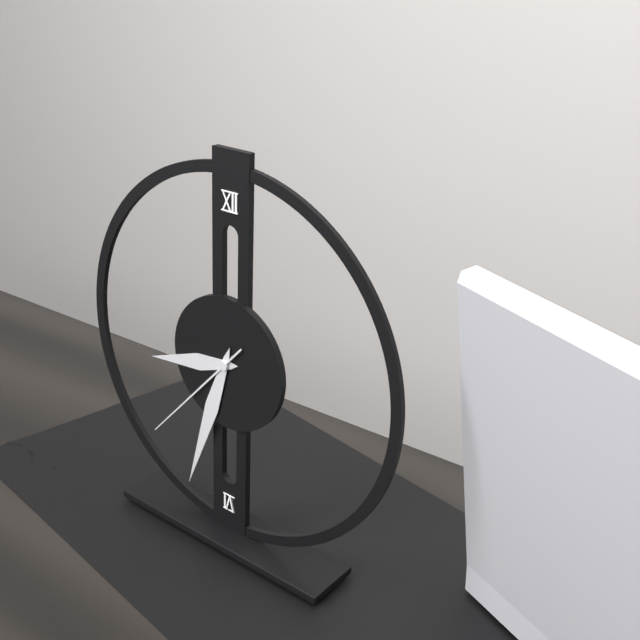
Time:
8.33.37
